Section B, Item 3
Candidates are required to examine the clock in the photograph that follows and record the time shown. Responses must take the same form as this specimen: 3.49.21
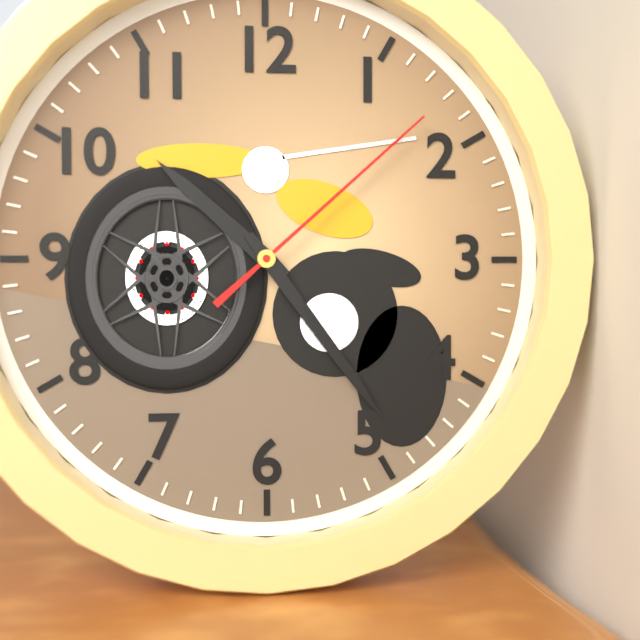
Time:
10.24.08
